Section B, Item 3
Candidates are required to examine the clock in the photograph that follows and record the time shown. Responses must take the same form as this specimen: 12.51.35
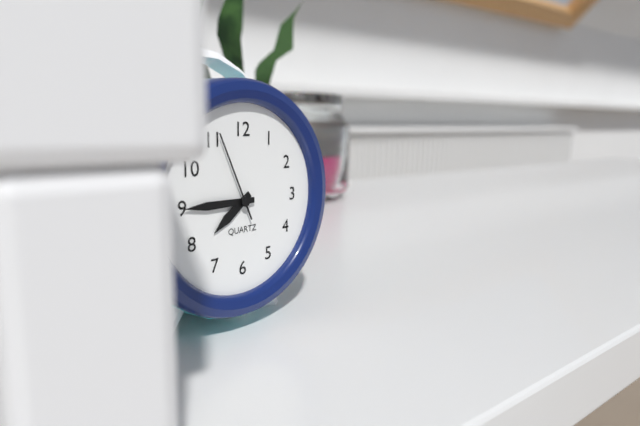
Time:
7.45.56
